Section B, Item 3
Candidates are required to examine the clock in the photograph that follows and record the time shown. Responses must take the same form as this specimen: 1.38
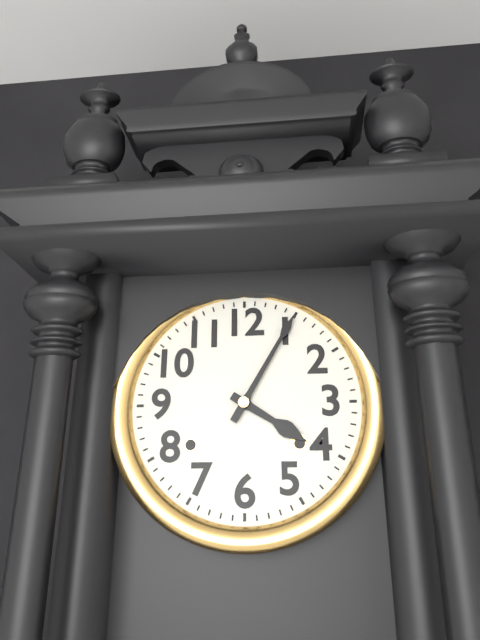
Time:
4.05
